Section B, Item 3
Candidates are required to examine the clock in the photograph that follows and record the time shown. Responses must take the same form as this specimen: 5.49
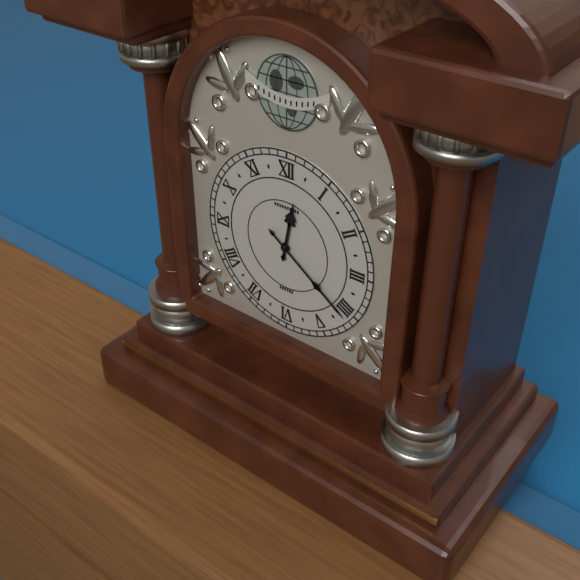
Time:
12.21
